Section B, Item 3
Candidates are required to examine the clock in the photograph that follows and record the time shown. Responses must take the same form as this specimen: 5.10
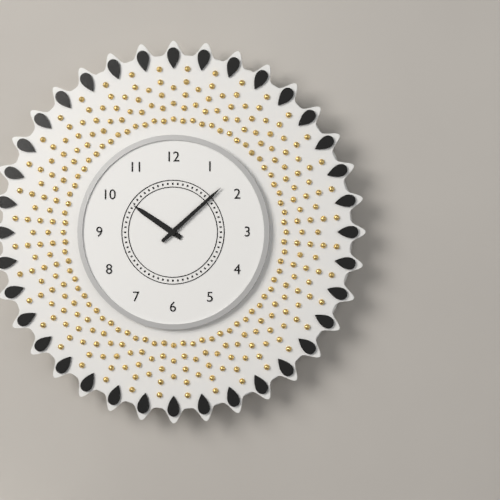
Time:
10.08
